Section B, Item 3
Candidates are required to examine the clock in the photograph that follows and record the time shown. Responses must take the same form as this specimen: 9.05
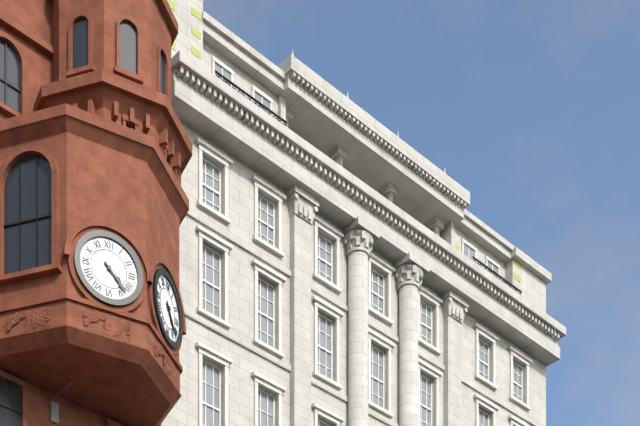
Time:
4.23
